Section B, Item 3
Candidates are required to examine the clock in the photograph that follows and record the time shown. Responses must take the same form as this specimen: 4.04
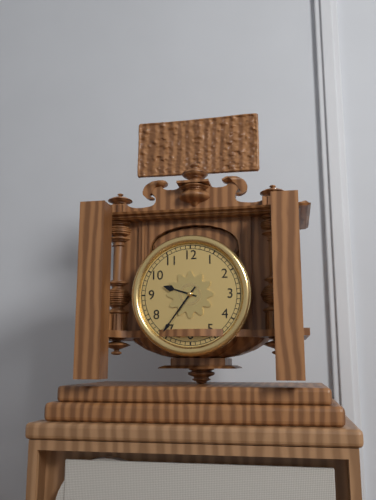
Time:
9.36
